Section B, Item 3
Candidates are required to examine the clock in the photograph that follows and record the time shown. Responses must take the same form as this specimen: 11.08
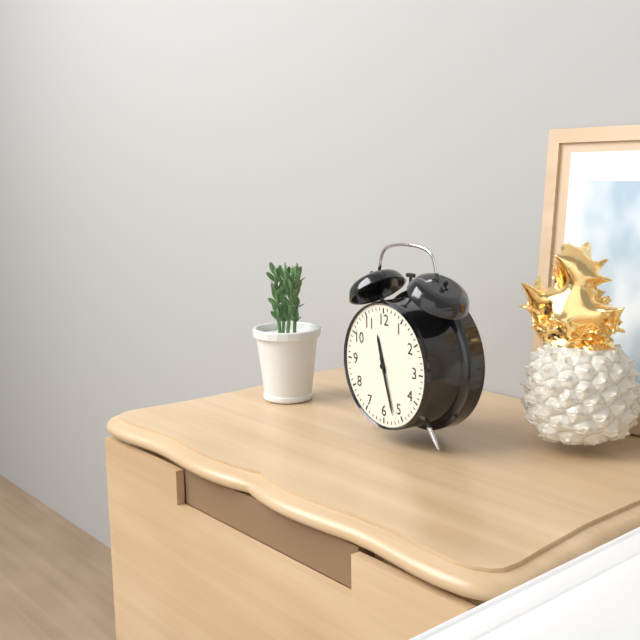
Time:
11.27
